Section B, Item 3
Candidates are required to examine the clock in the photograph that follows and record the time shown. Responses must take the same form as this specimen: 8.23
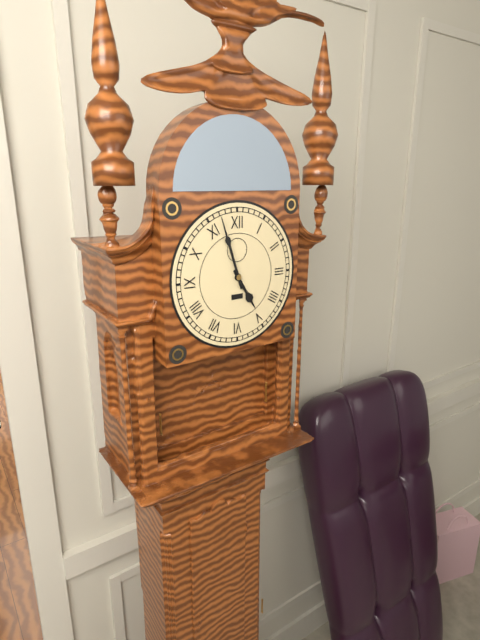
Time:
4.57
